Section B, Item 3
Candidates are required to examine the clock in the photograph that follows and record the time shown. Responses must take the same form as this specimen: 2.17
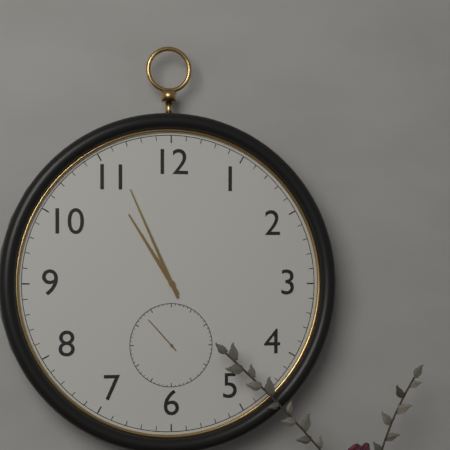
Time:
10.56
